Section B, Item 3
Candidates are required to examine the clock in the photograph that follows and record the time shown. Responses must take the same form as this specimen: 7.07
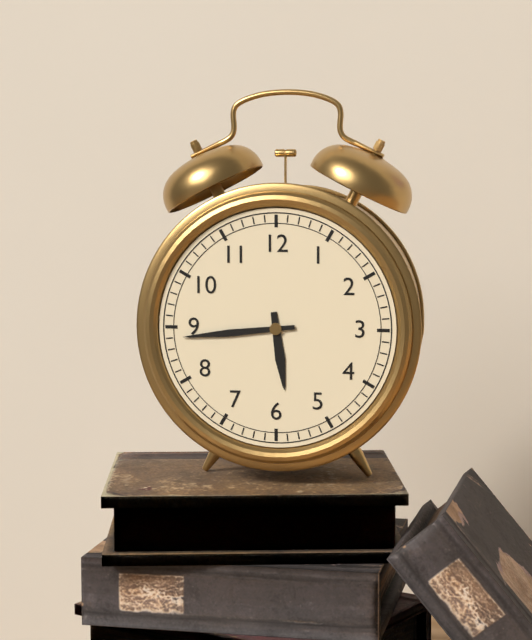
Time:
5.44
